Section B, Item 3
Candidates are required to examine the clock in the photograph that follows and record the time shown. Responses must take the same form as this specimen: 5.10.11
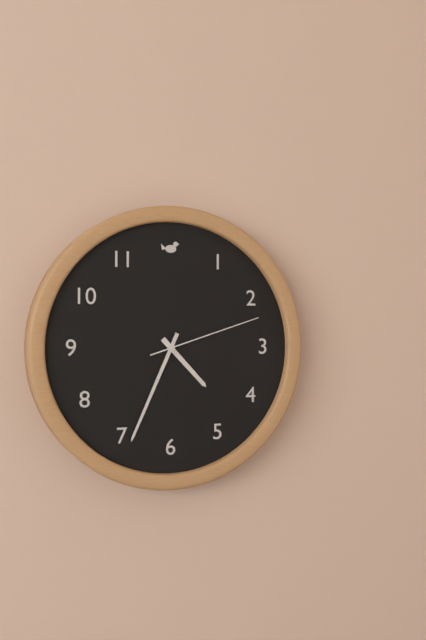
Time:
4.34.12
